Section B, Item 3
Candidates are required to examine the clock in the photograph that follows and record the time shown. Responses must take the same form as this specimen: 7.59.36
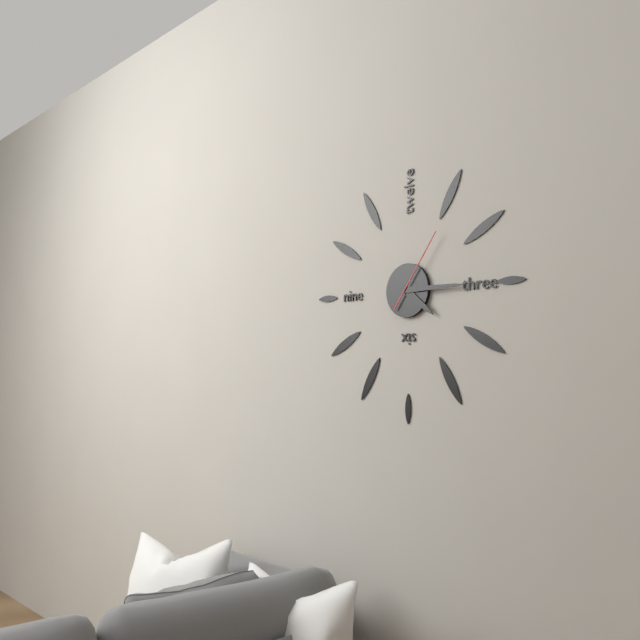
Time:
4.15.06
